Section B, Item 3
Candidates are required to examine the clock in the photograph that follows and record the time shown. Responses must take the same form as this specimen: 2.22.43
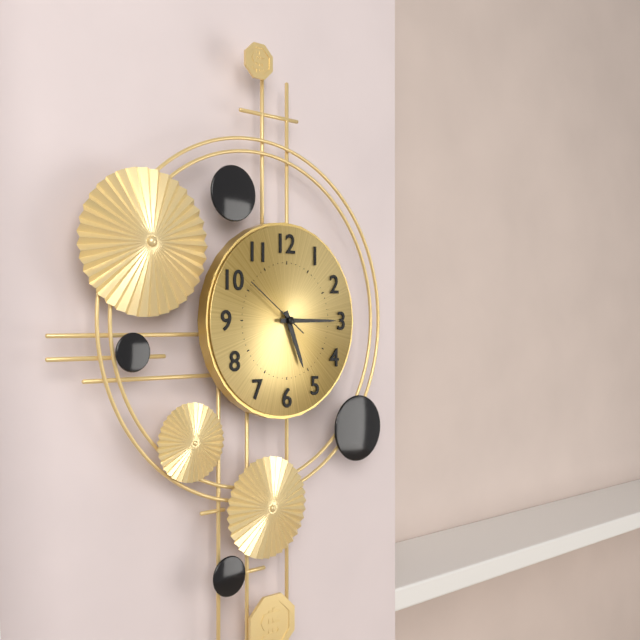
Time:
5.15.51
